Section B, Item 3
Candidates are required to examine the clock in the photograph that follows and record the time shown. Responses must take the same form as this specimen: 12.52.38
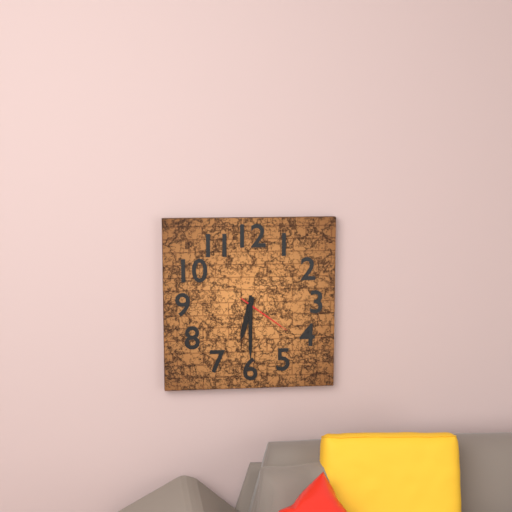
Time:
6.30.21
